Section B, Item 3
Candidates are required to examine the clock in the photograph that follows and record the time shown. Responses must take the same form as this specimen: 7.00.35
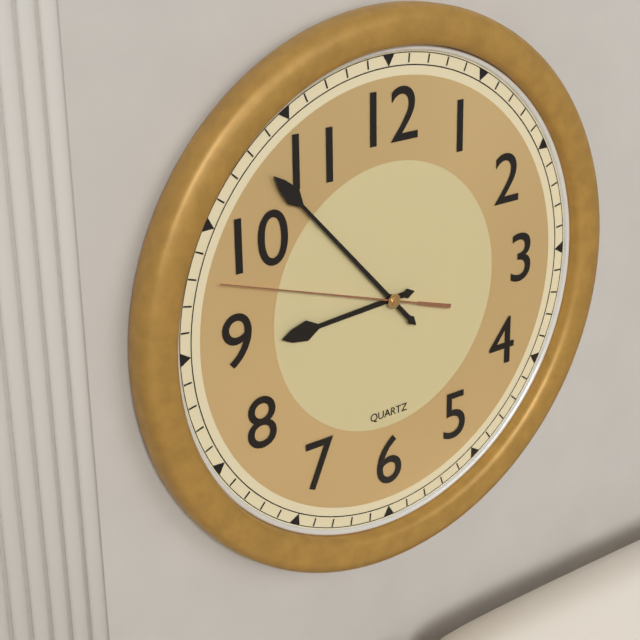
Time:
8.53.48
